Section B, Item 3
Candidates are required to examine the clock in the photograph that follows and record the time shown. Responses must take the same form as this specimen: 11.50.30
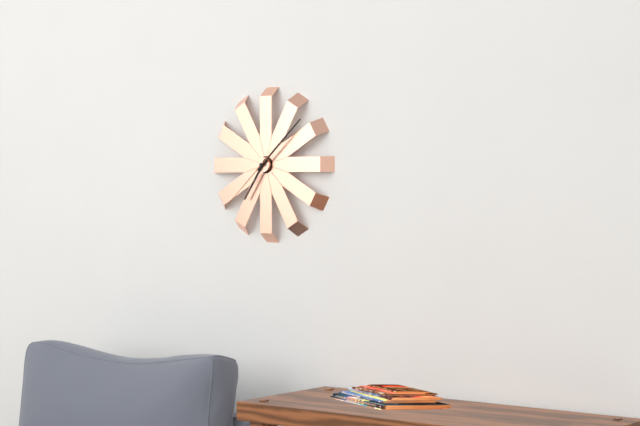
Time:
7.08.38
